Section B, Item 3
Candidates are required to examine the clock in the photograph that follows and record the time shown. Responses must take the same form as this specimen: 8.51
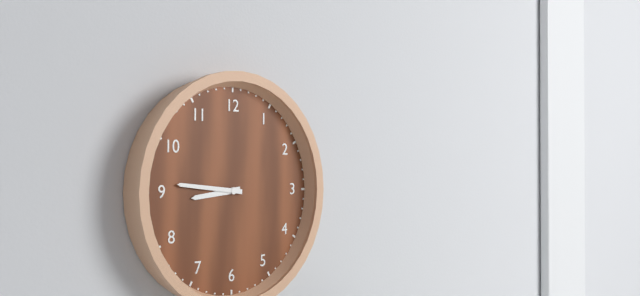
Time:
8.46
